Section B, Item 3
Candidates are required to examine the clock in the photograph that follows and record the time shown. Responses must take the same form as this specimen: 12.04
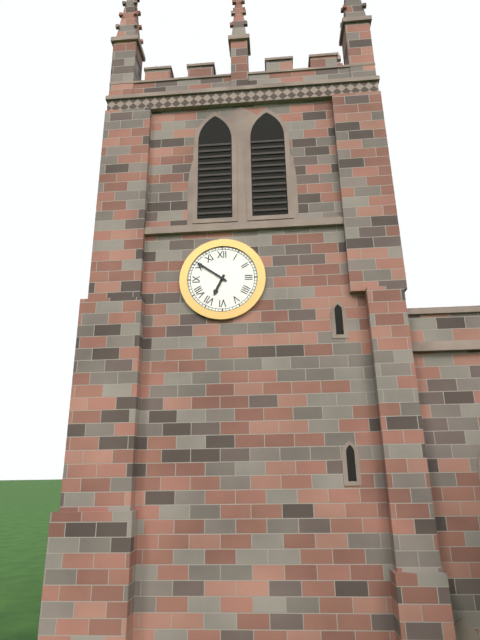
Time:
6.51
